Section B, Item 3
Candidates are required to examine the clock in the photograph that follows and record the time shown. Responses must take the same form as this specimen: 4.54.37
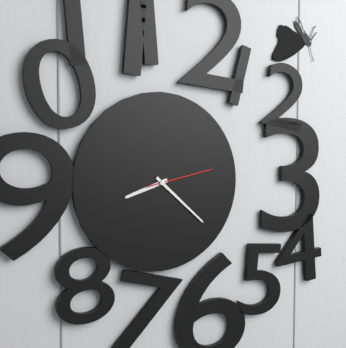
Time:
8.22.13
